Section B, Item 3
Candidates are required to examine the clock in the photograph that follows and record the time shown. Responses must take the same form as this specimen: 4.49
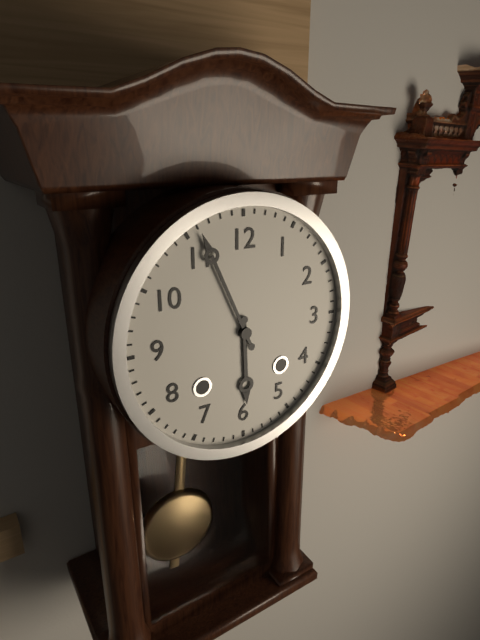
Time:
5.56
